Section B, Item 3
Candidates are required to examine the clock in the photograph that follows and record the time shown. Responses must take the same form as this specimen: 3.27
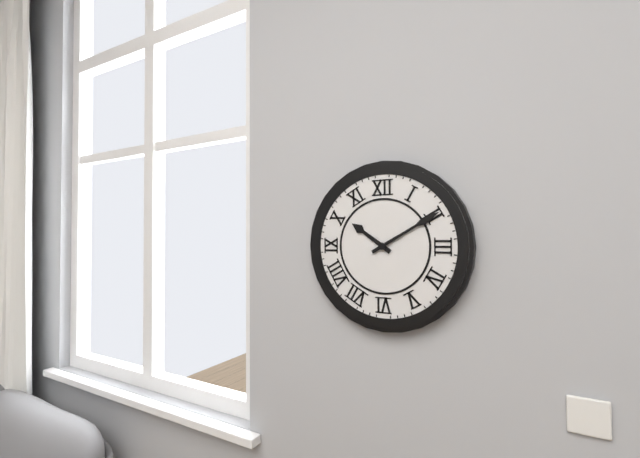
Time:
10.10
